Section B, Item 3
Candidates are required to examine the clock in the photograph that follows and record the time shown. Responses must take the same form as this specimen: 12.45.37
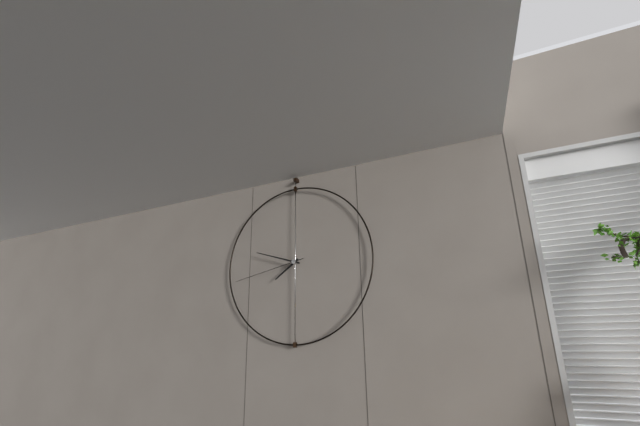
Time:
7.48.43
